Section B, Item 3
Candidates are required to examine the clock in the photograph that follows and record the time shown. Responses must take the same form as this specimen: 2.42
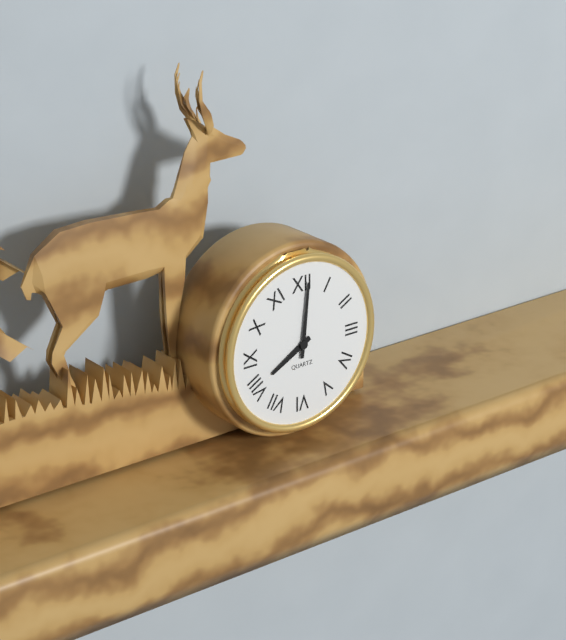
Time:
8.01
